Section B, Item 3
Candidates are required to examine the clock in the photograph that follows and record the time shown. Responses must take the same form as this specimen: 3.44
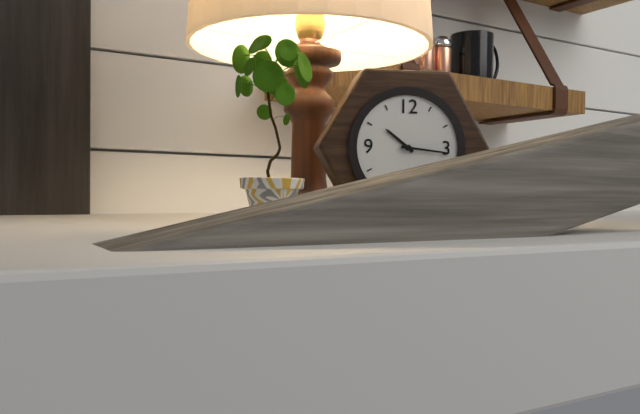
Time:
10.16
